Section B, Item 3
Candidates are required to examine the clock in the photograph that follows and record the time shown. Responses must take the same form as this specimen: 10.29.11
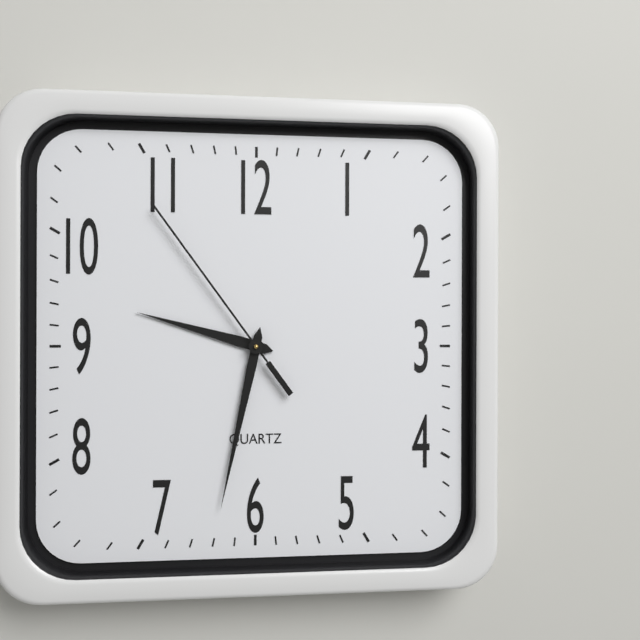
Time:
9.32.54
